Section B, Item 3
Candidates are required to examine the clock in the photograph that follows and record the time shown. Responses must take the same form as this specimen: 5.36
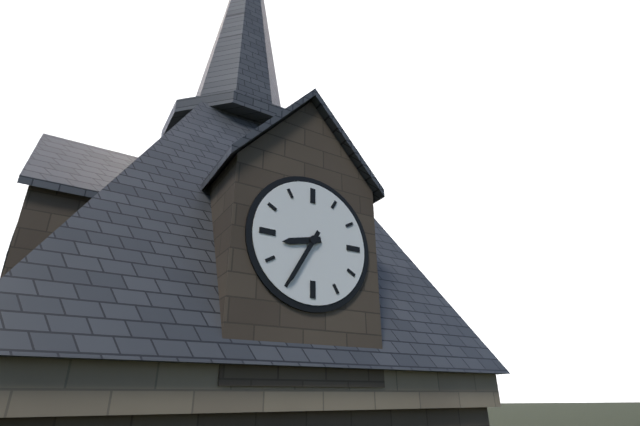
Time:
8.35
